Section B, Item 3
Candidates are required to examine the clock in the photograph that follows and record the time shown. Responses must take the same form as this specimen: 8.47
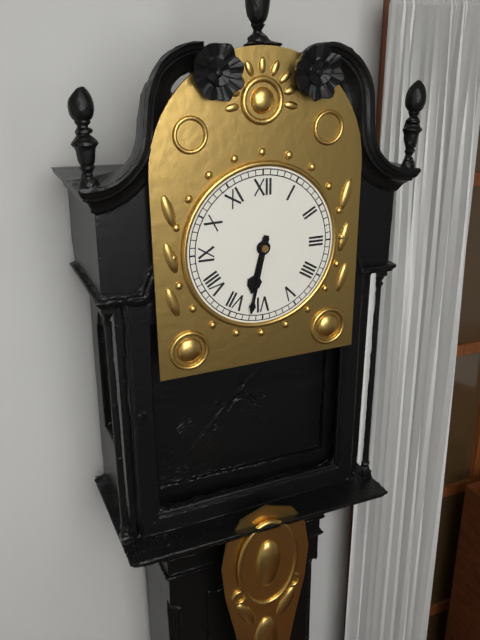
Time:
6.32
